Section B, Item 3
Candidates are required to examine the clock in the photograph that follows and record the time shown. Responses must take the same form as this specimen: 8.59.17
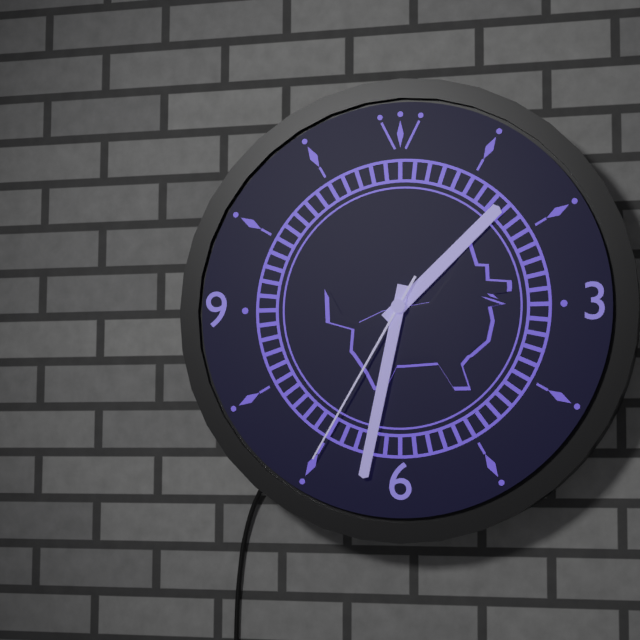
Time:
1.32.35
